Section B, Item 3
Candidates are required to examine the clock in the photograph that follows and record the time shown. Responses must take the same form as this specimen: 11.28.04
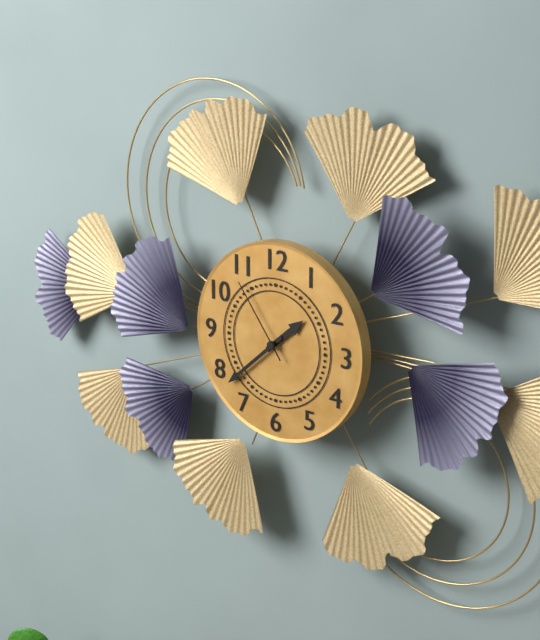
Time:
1.38.54
